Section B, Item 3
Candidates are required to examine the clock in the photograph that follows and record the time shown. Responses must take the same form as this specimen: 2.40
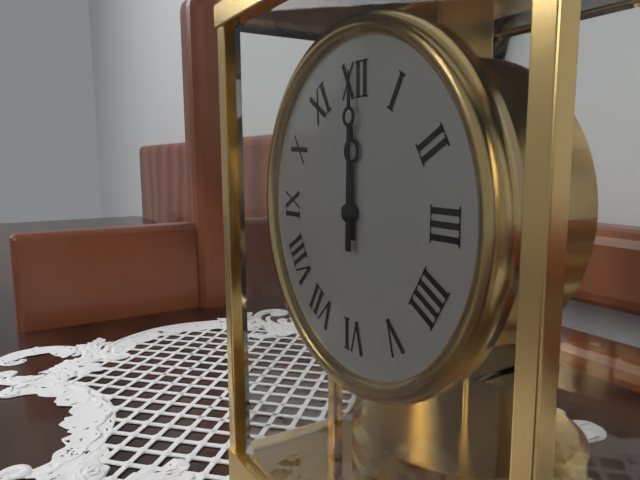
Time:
12.00
